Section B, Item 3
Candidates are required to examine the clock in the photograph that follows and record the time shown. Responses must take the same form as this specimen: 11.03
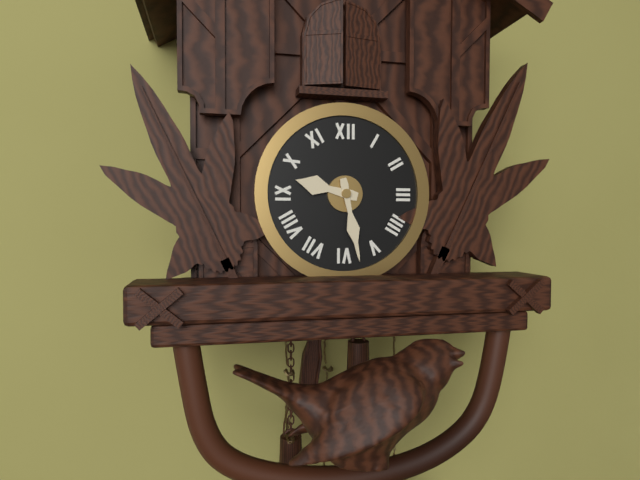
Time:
9.28
